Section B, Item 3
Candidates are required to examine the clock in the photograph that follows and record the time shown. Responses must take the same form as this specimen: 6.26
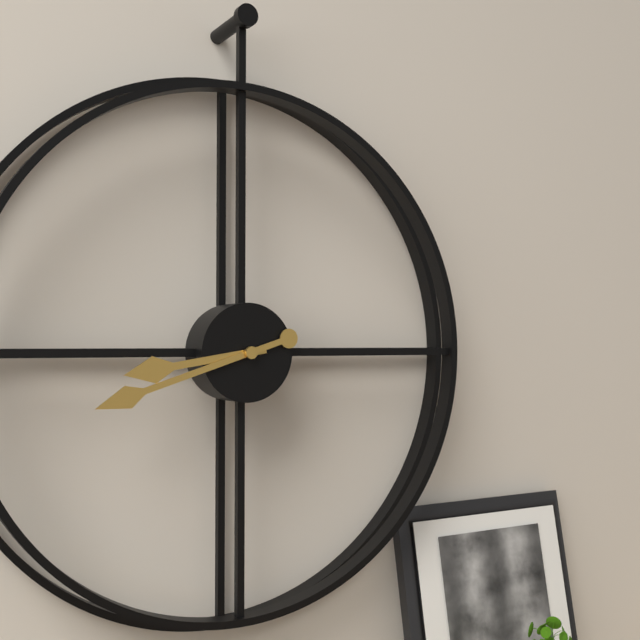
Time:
8.42
